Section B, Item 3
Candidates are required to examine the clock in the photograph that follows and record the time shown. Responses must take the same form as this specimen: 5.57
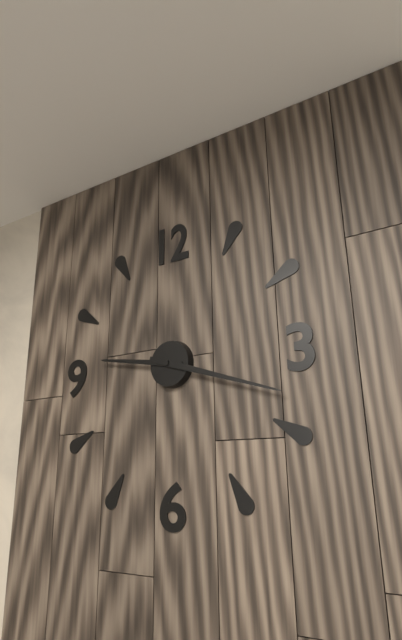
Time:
9.18
